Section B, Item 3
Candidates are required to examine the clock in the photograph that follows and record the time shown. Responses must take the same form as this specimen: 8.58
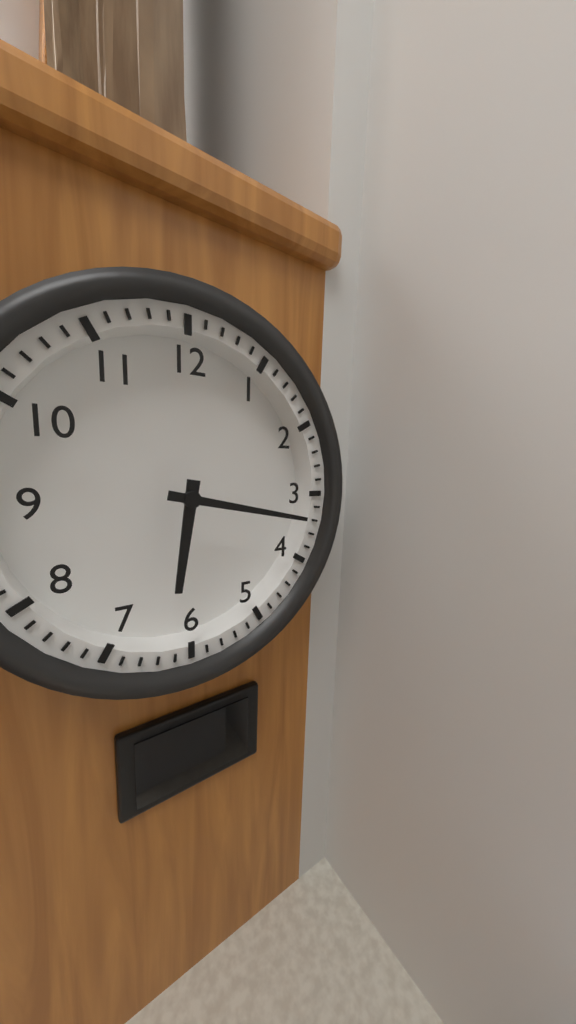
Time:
6.17
